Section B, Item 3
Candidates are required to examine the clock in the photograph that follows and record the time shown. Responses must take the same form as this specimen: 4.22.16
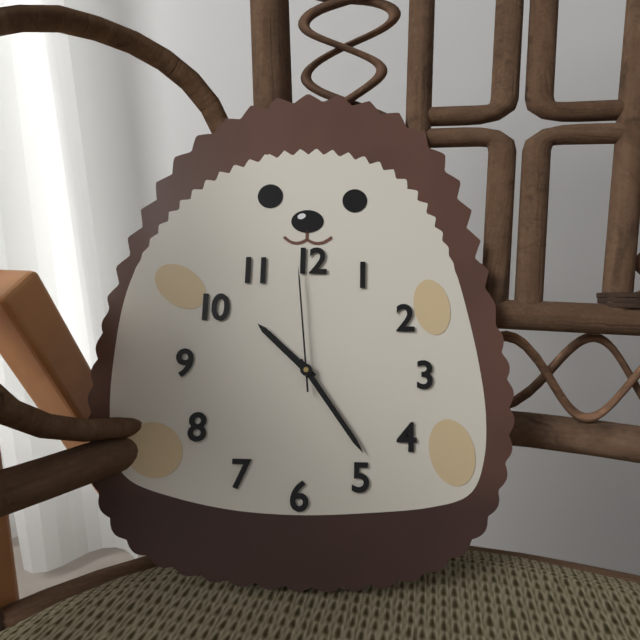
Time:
10.24.59
